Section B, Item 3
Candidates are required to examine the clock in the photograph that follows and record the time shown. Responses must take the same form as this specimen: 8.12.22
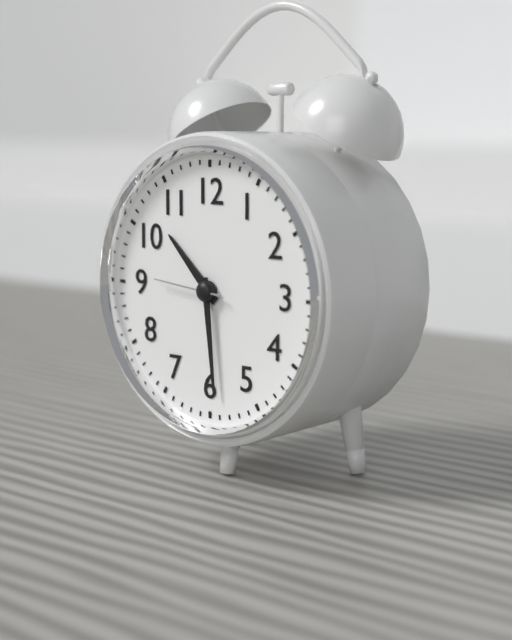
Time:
10.29.46
